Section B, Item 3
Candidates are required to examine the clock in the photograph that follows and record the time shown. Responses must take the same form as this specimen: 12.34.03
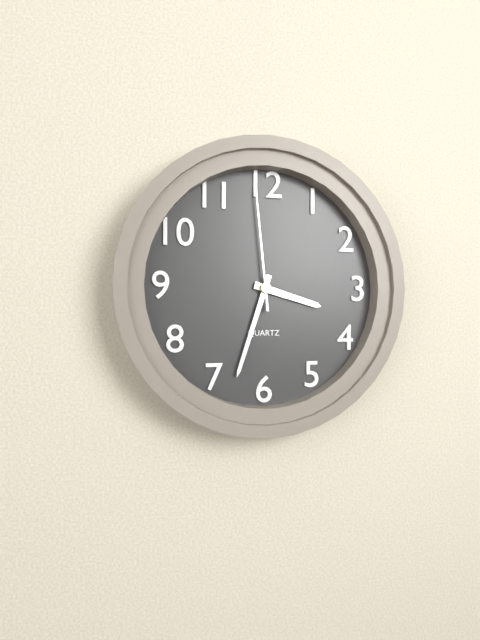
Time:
3.33.59
